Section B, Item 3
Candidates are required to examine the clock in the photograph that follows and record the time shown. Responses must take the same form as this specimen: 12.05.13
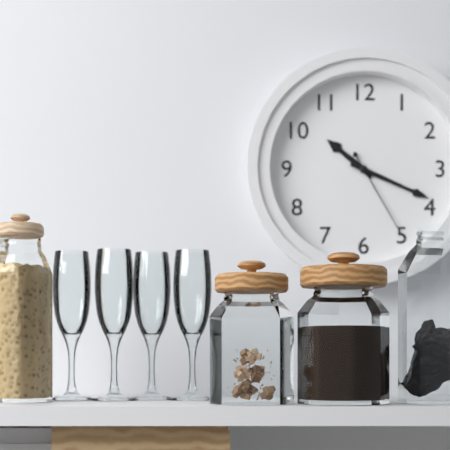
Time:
10.19.25
